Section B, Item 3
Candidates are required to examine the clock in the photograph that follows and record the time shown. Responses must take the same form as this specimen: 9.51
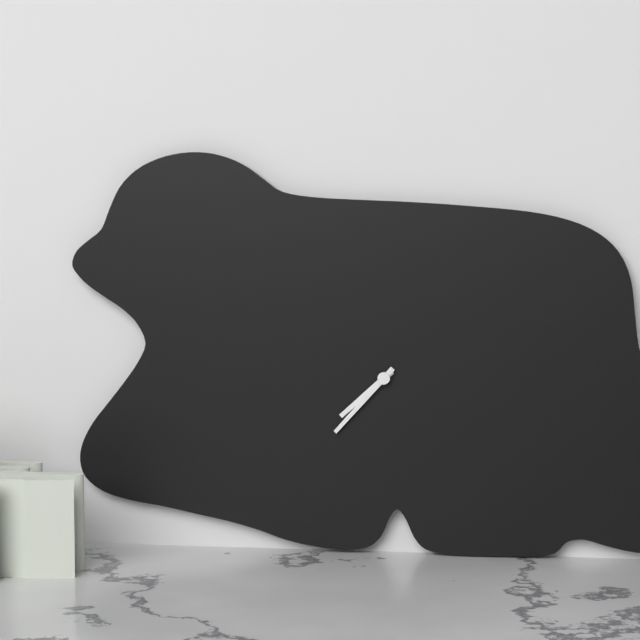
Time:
7.37
